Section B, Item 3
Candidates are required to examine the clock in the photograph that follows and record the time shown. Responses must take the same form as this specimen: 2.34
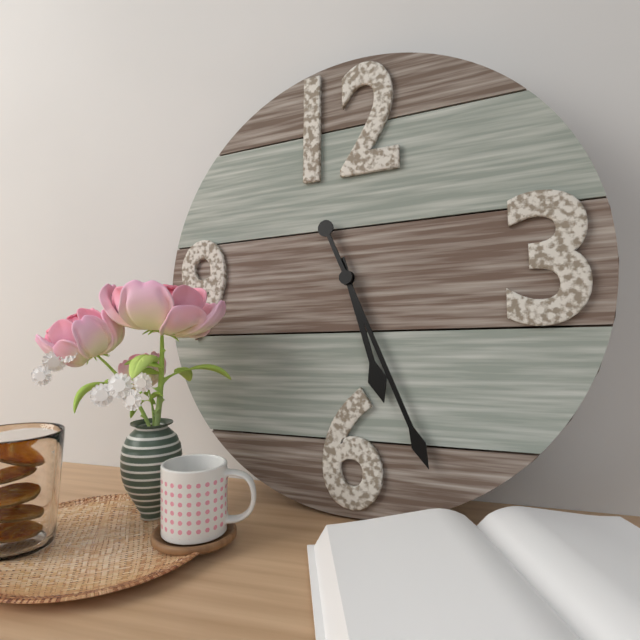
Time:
5.26
